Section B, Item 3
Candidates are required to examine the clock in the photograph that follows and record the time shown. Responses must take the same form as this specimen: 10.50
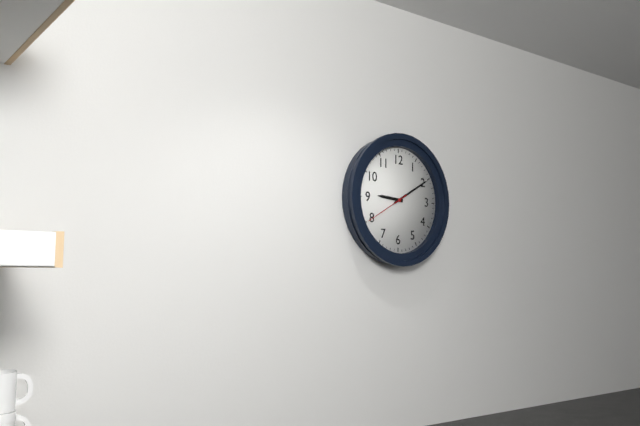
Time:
9.10
